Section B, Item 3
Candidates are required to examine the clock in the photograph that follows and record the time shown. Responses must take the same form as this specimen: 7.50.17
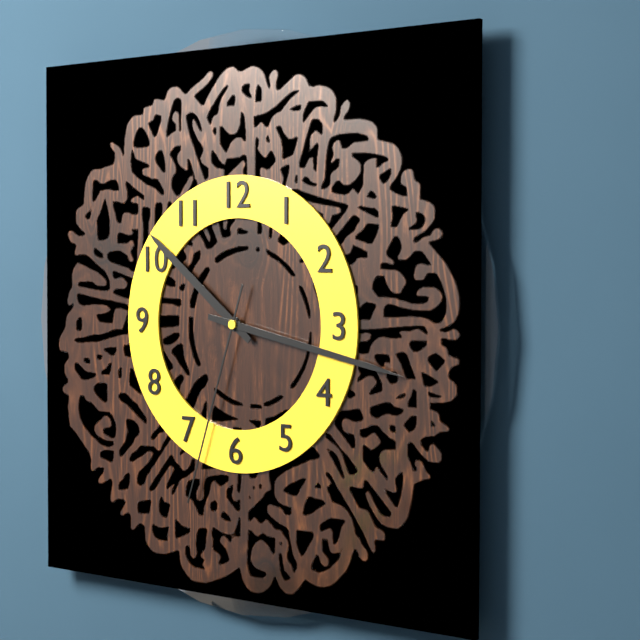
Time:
10.17.33
